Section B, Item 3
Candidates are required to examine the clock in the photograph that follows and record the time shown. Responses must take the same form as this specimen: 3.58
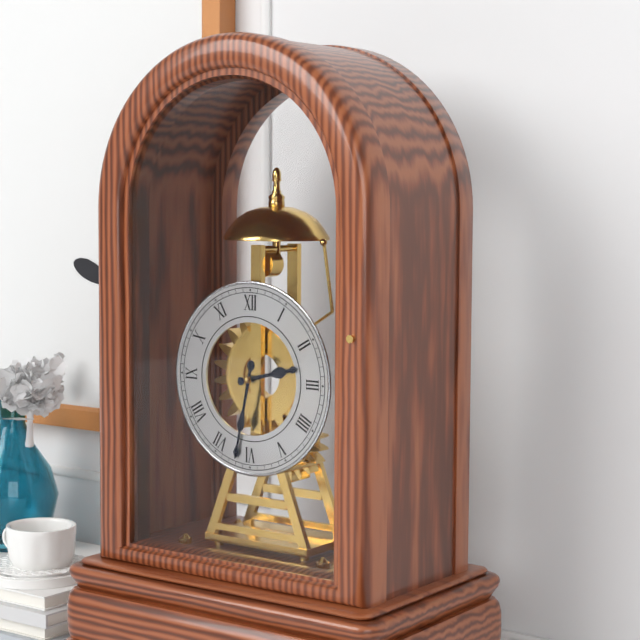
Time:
2.32
